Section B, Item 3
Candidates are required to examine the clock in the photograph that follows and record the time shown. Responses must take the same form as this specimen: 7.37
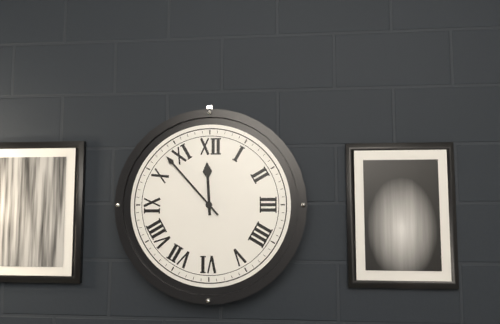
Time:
11.53
